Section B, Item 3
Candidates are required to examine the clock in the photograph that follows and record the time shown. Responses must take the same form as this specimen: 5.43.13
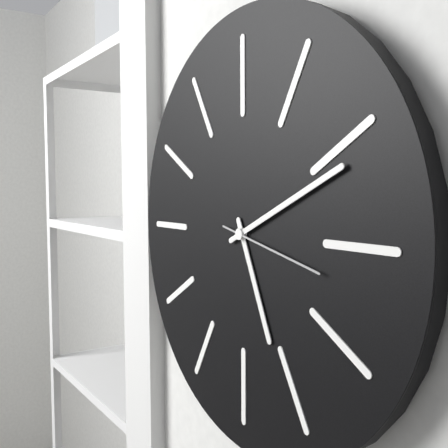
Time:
5.11.17
